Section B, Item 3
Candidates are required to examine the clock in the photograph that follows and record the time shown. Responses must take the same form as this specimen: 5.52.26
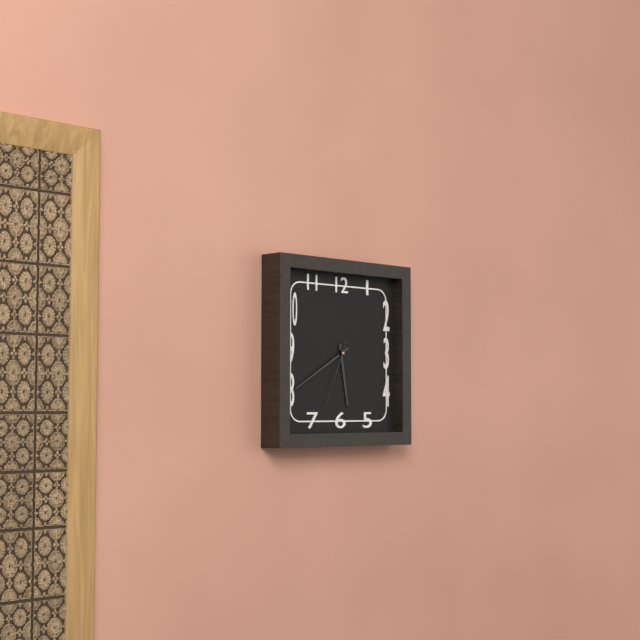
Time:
5.40.34
